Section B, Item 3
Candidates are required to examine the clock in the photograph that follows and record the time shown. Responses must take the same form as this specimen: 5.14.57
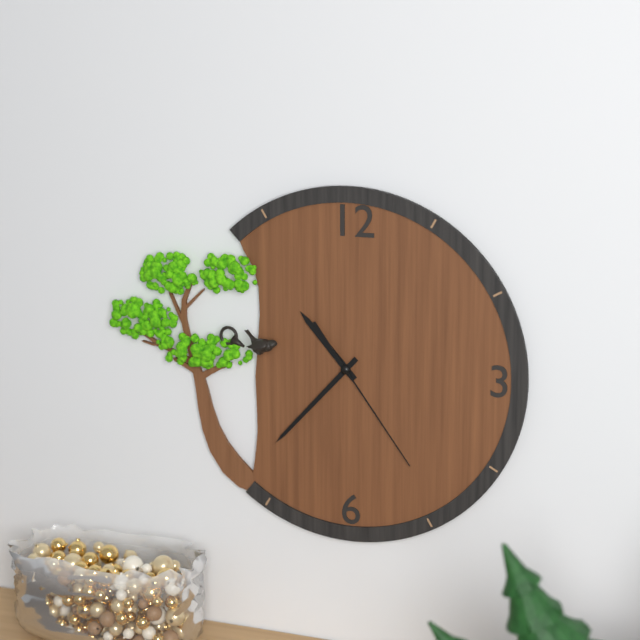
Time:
10.37.24
